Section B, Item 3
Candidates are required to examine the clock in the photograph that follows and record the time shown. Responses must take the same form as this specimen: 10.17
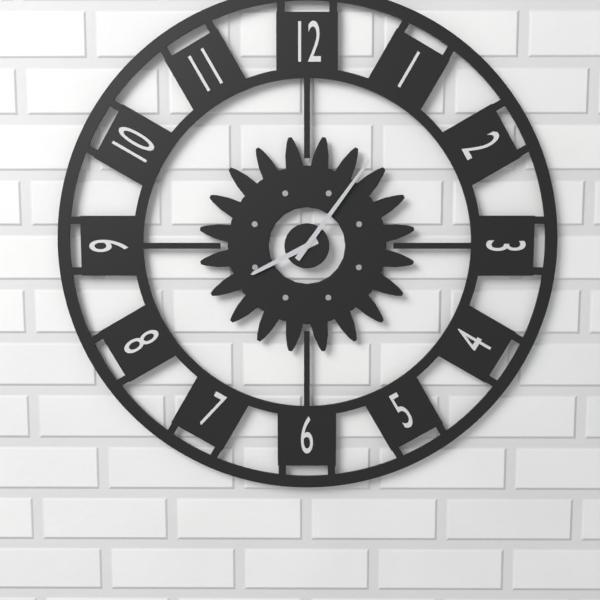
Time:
8.06
